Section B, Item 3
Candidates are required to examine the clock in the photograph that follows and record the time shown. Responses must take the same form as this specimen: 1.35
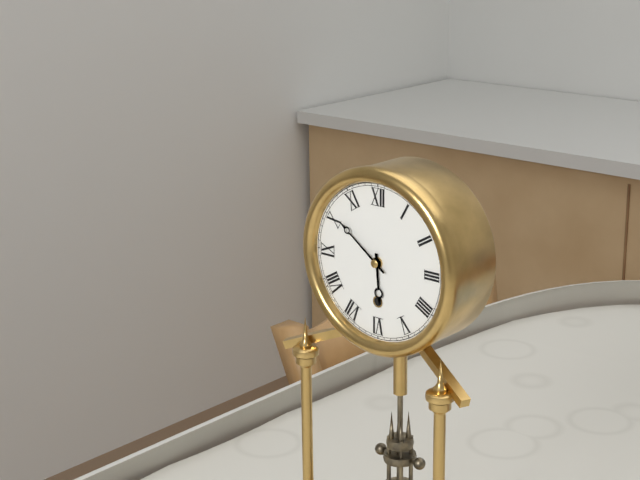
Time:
5.51
